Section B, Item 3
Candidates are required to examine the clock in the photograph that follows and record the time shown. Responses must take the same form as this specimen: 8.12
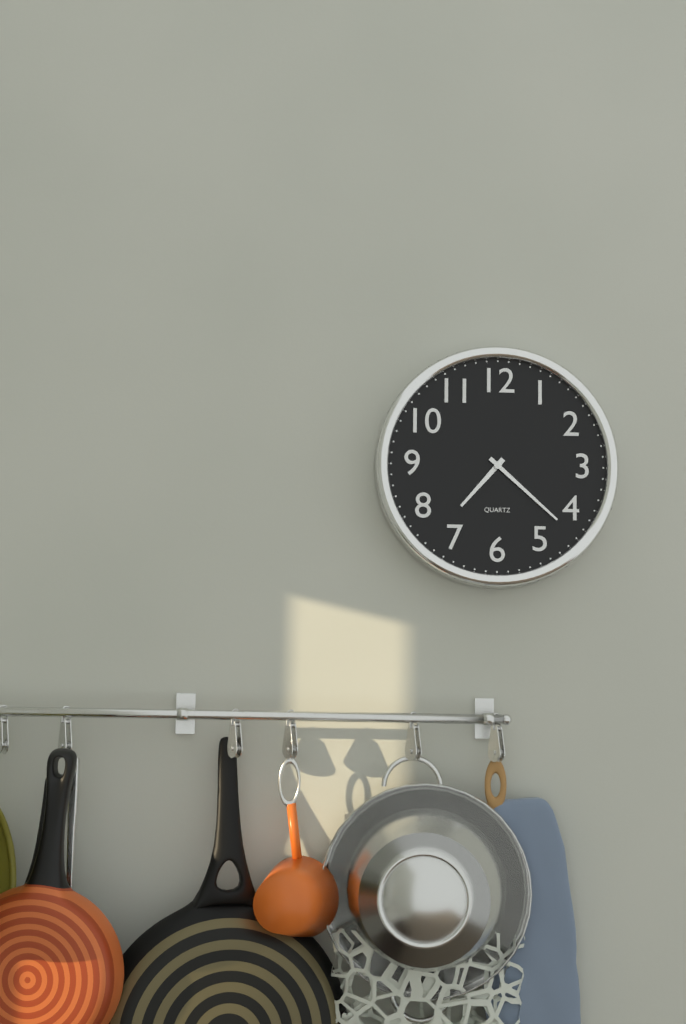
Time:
7.22
